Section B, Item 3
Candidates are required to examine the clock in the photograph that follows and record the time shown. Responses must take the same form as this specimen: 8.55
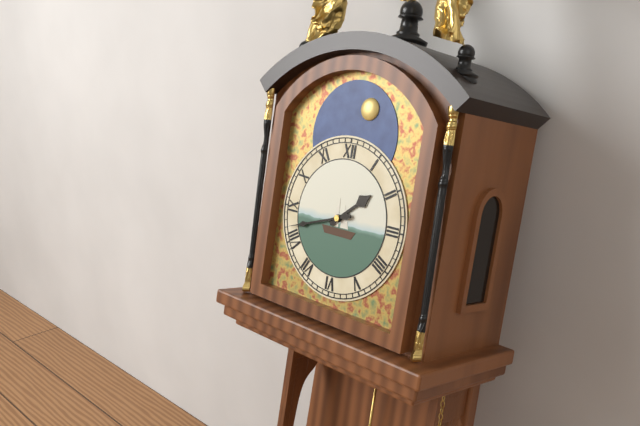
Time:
1.42
